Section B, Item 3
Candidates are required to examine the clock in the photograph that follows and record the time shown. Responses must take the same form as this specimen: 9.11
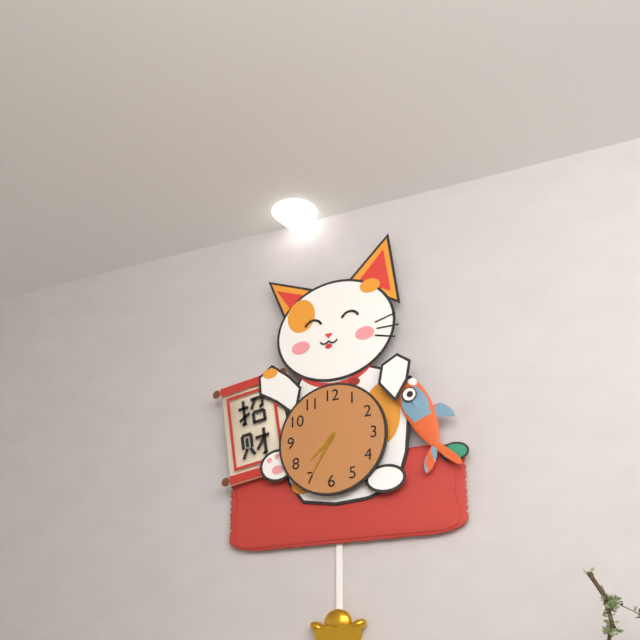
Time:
7.35
